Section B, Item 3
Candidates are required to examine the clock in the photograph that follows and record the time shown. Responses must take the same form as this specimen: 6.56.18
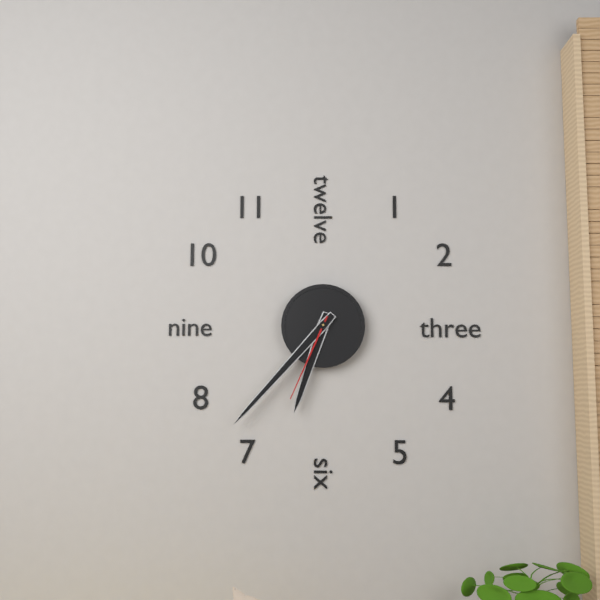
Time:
6.37.34
